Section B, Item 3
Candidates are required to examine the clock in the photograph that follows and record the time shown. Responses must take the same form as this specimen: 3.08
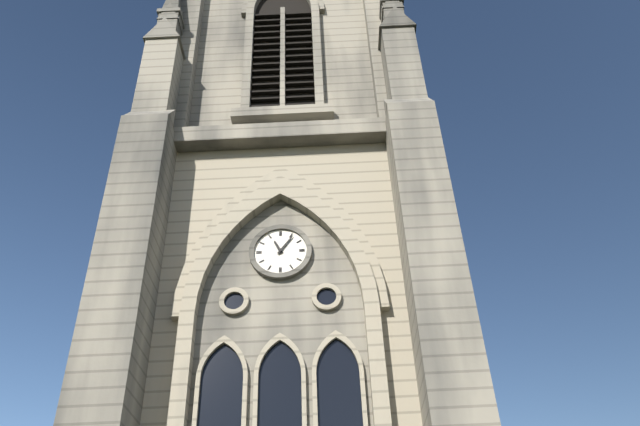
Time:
11.06
